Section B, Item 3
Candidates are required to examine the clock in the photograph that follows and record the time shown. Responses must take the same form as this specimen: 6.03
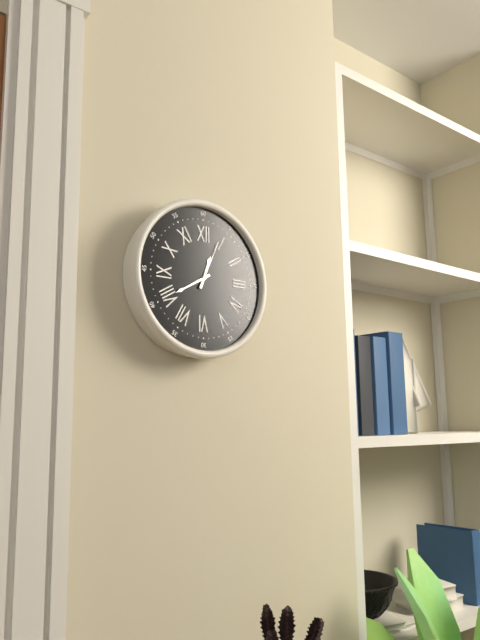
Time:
12.40
